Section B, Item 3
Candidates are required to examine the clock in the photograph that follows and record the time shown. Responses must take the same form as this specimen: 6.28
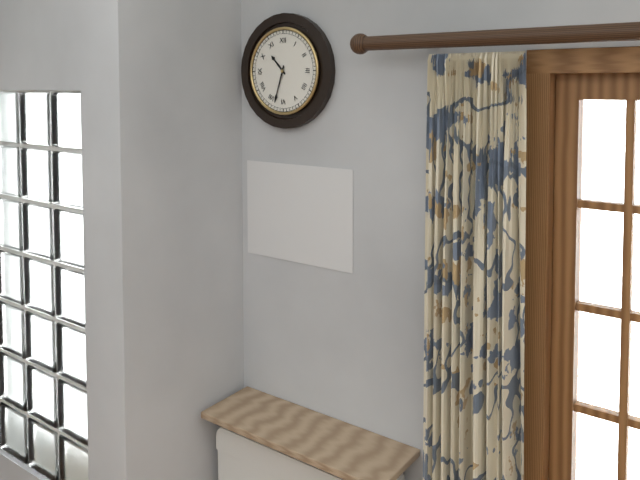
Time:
10.33
